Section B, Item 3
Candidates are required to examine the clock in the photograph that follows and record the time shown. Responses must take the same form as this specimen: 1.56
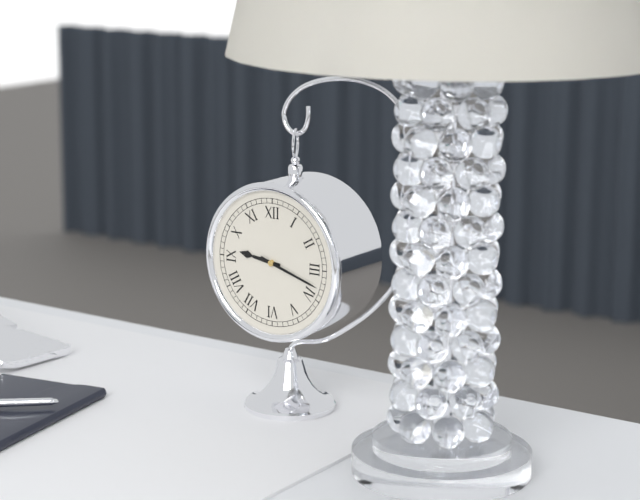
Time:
9.18
